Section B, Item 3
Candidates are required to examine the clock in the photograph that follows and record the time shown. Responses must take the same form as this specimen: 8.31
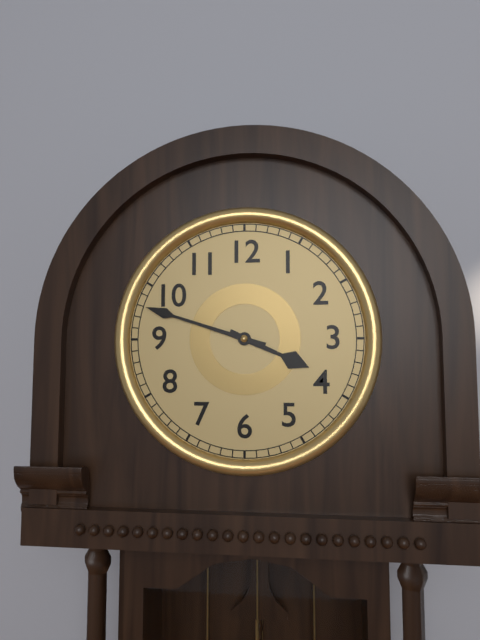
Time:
3.48
